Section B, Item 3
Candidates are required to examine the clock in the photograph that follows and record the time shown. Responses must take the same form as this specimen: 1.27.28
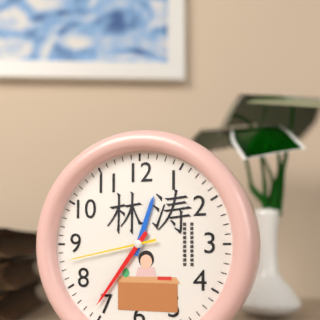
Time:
12.36.43
